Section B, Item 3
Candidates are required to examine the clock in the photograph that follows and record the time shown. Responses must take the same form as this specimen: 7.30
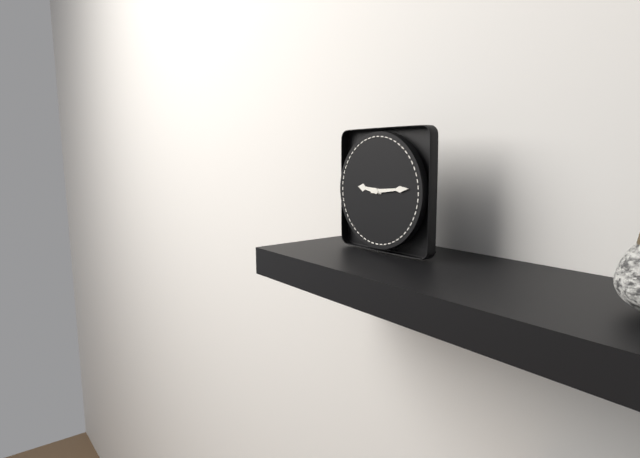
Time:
9.14
